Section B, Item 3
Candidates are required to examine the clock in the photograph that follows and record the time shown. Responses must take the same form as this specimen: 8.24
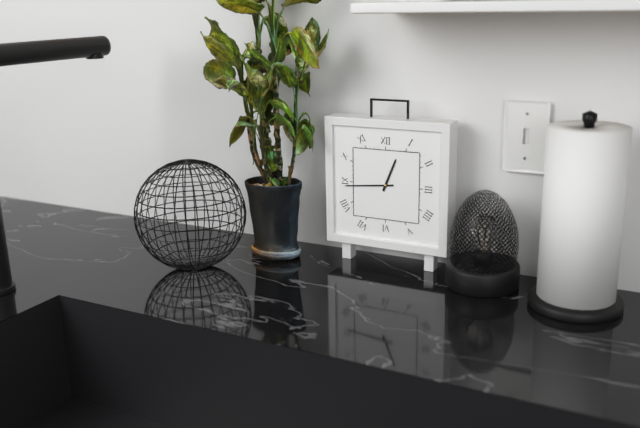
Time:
12.44
